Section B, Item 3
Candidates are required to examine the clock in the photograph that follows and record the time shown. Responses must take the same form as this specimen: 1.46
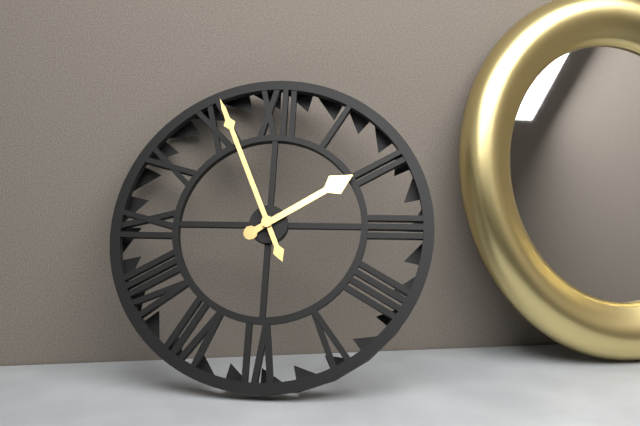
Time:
1.56
